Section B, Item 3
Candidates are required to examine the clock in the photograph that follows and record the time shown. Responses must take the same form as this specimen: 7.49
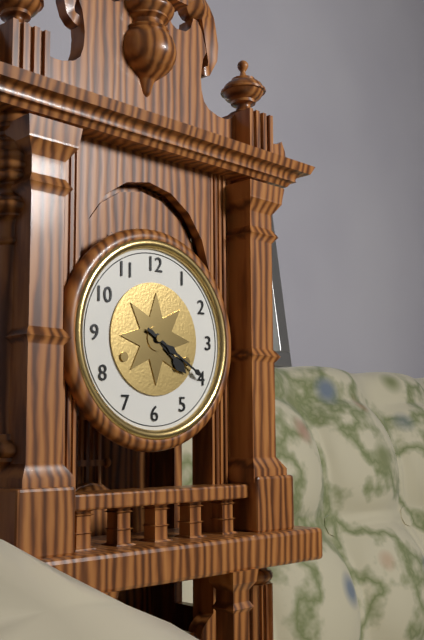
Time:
4.20
